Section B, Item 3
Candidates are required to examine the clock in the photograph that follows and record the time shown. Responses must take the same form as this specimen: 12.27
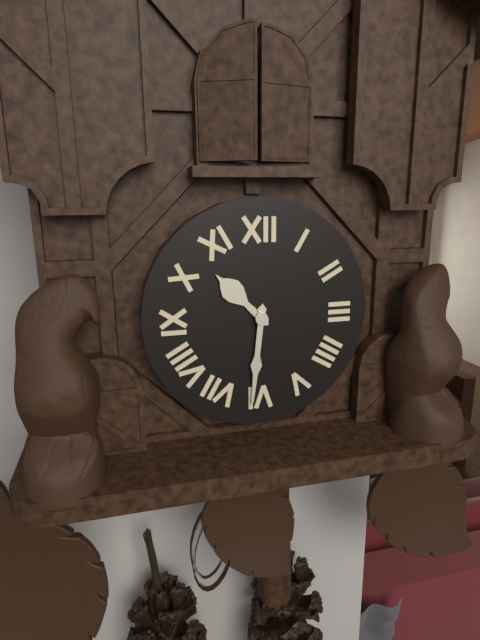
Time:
10.31
